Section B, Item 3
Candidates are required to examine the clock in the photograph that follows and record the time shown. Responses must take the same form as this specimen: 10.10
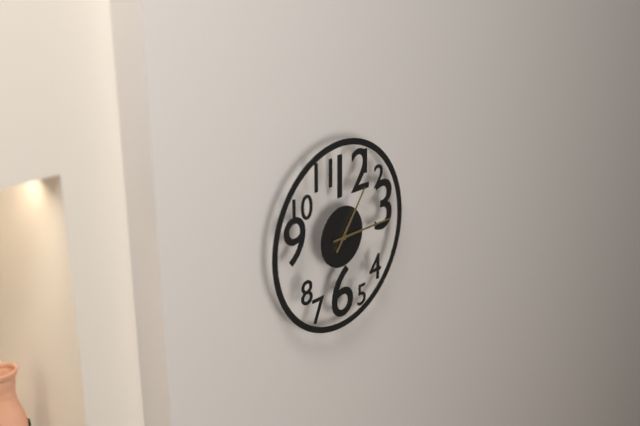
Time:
1.15
